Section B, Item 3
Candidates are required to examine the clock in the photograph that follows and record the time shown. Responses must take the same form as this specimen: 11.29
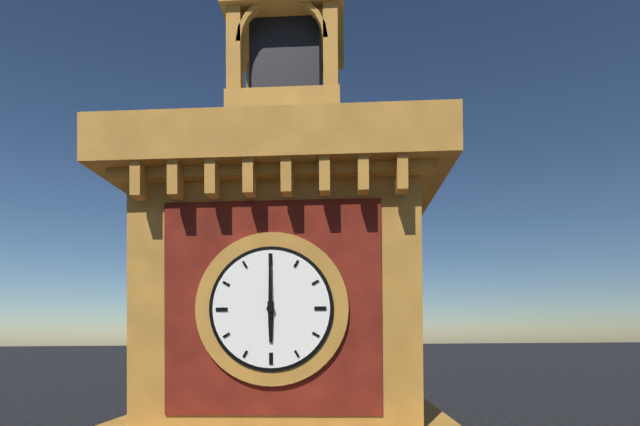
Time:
6.00
